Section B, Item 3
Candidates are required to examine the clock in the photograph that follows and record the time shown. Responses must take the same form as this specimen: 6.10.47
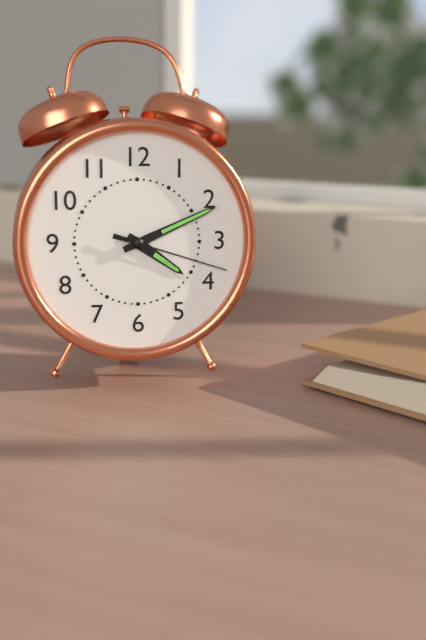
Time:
4.11.18
